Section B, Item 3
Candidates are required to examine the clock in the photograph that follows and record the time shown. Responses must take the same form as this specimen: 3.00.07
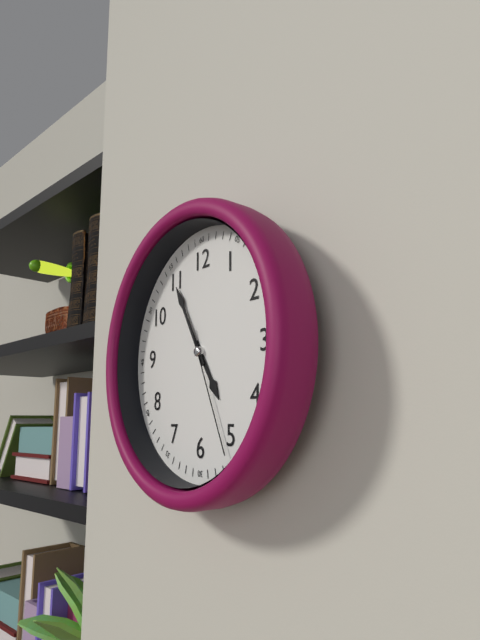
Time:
4.55.26
